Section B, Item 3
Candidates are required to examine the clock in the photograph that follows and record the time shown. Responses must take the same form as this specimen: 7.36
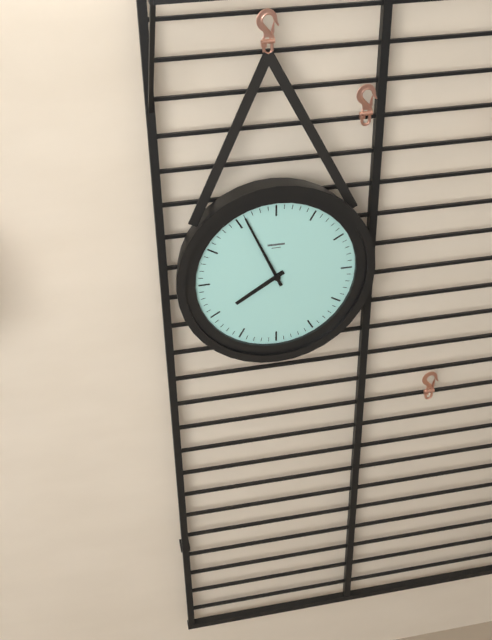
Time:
7.56
